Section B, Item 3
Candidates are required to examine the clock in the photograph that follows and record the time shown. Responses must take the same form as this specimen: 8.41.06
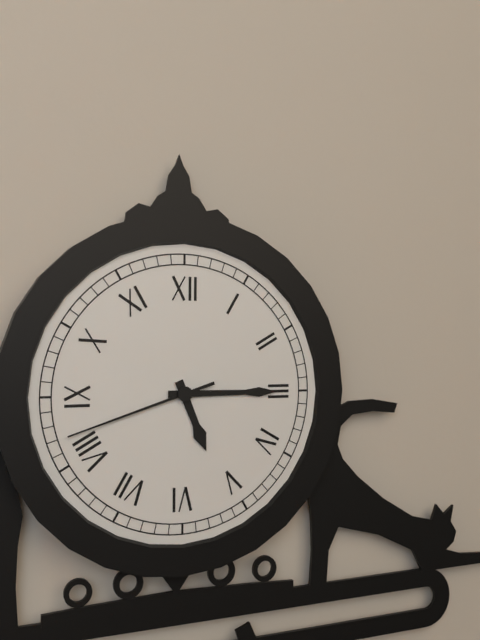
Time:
5.15.42
